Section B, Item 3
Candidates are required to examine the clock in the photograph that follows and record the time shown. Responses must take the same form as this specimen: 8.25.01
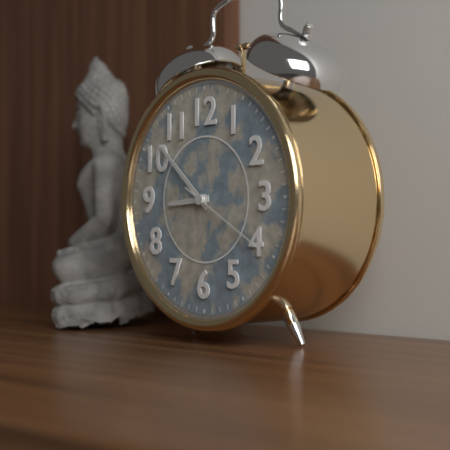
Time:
8.52.20
